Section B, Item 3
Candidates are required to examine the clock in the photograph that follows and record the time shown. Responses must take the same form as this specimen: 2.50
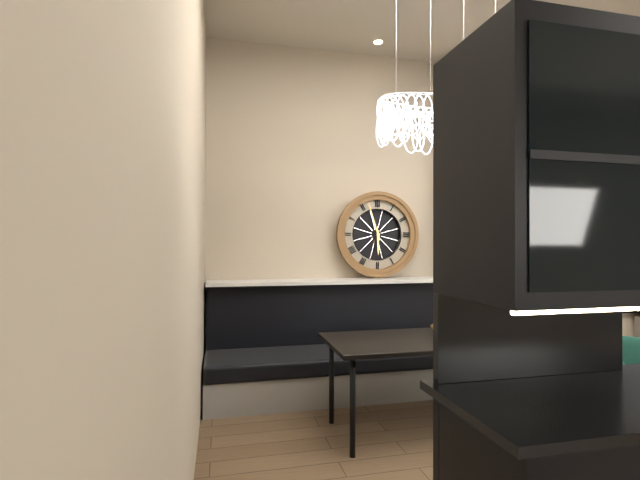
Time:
5.57
